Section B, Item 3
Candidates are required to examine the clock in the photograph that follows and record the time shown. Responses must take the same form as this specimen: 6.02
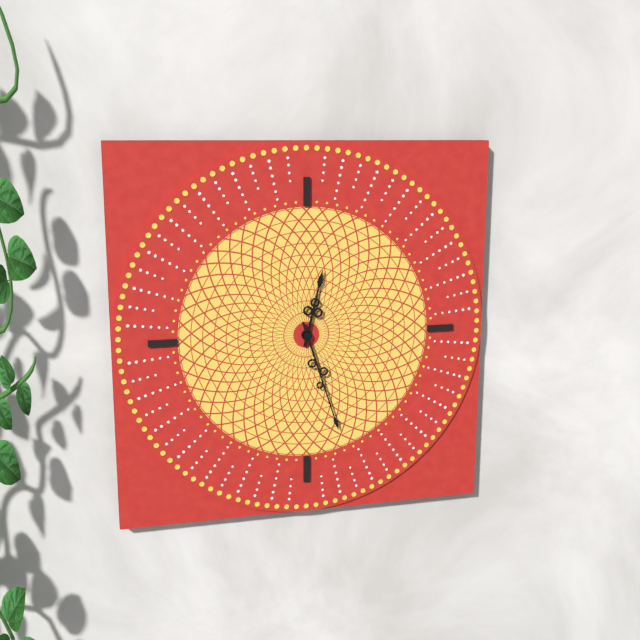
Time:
12.27
